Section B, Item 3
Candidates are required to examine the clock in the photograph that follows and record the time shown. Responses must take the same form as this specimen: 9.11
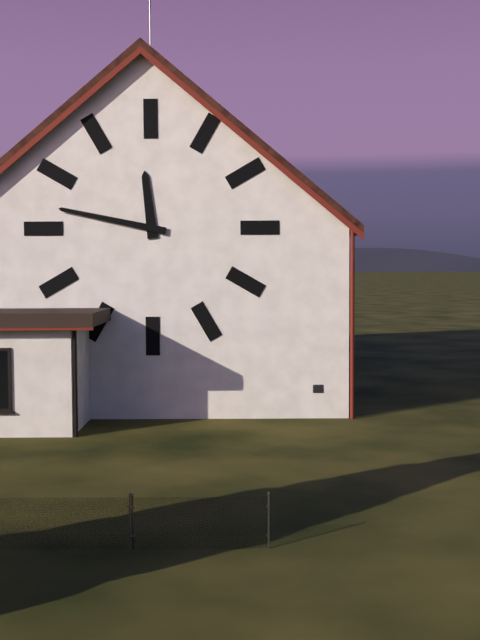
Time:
11.47
